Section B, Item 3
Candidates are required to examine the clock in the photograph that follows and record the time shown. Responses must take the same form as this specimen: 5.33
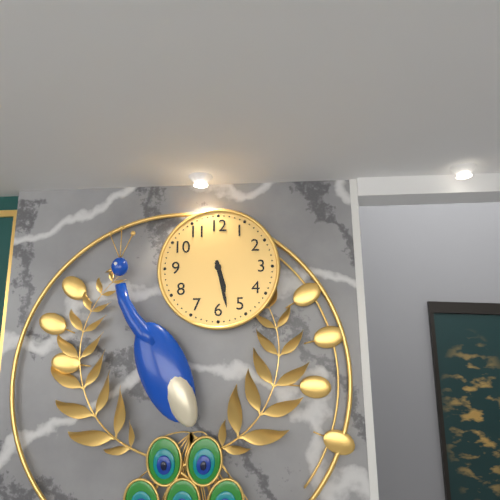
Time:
5.28
